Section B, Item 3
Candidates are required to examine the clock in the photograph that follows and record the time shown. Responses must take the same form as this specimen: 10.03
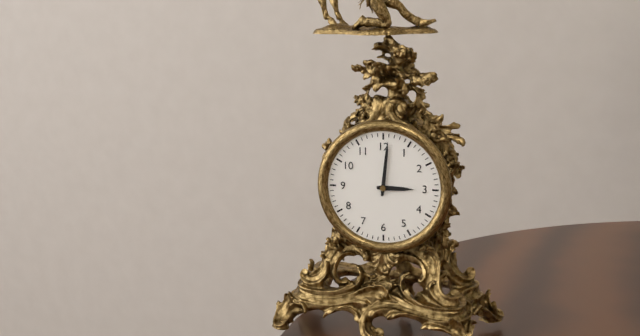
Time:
3.01
